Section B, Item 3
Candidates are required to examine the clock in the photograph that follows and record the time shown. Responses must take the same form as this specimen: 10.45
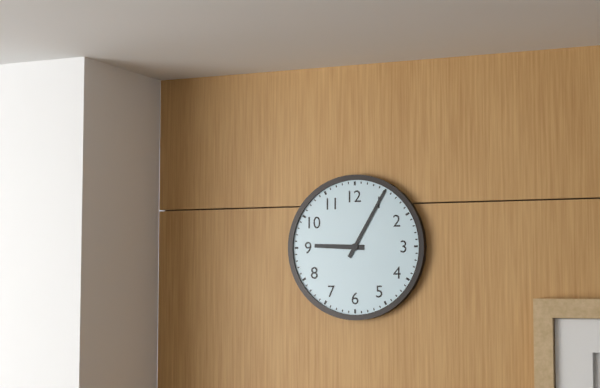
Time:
9.05
